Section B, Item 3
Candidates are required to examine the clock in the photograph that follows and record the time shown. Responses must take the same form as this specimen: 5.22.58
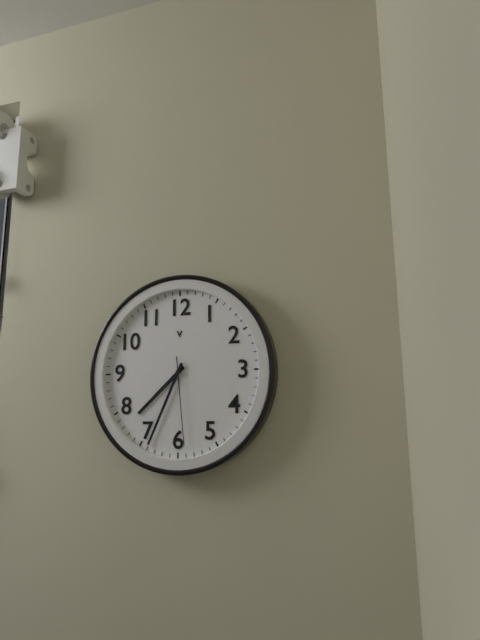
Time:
7.34.29
